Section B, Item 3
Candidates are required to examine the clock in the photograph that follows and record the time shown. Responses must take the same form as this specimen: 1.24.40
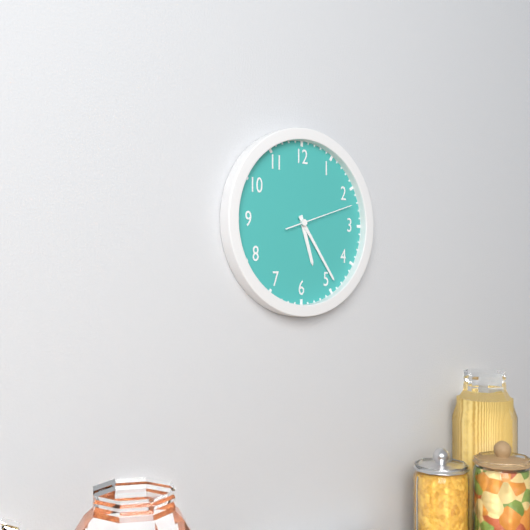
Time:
5.24.12
